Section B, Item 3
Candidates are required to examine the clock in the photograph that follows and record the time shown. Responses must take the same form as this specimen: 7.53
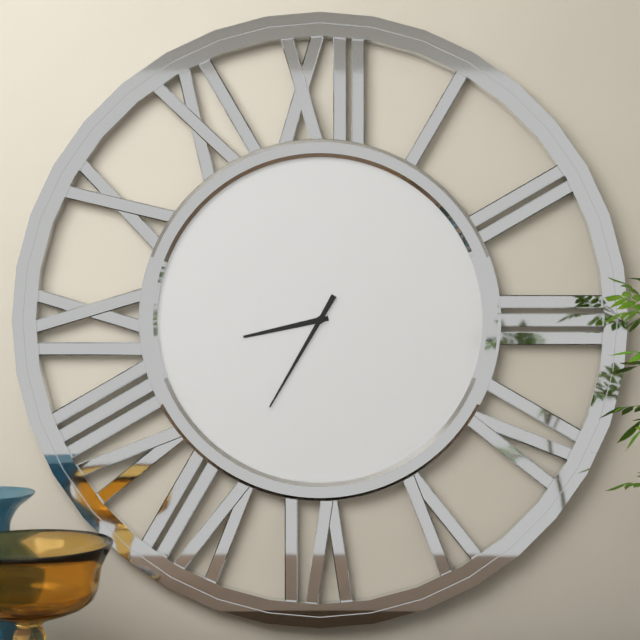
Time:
8.35
